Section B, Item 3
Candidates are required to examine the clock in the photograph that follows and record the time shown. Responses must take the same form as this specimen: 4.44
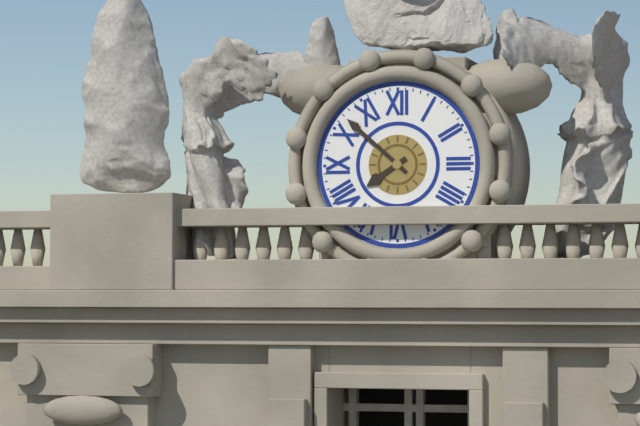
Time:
7.52
